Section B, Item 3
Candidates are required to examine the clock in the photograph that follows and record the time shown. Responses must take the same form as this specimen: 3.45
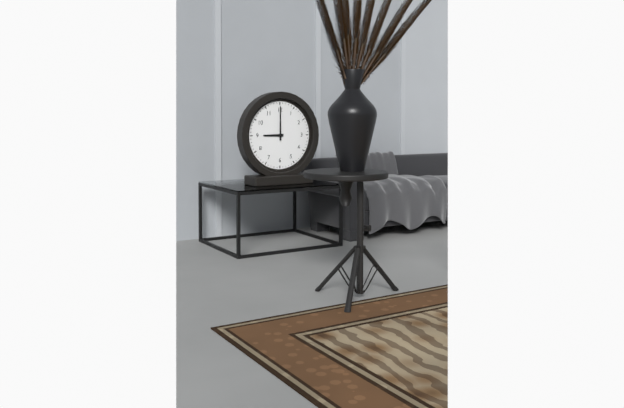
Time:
9.00
